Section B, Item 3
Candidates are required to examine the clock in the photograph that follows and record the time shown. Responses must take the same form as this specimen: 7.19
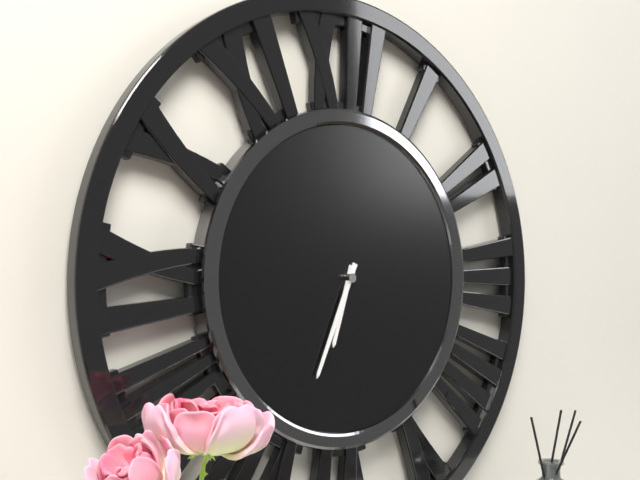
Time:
6.34
